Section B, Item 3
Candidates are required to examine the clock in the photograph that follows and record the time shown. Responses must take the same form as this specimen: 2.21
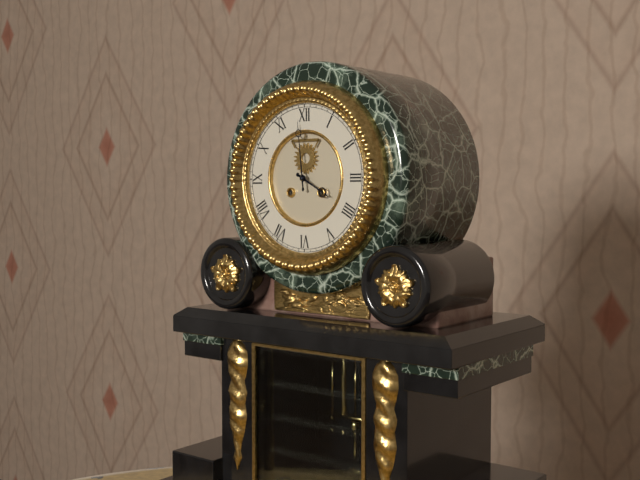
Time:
3.59
